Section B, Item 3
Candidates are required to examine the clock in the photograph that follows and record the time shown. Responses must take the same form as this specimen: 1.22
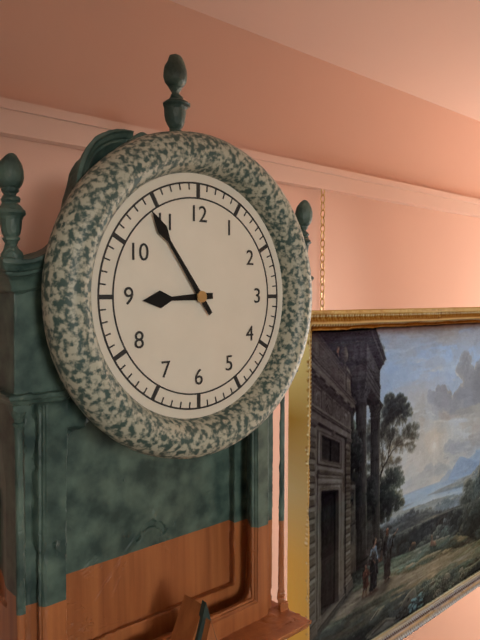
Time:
8.54
